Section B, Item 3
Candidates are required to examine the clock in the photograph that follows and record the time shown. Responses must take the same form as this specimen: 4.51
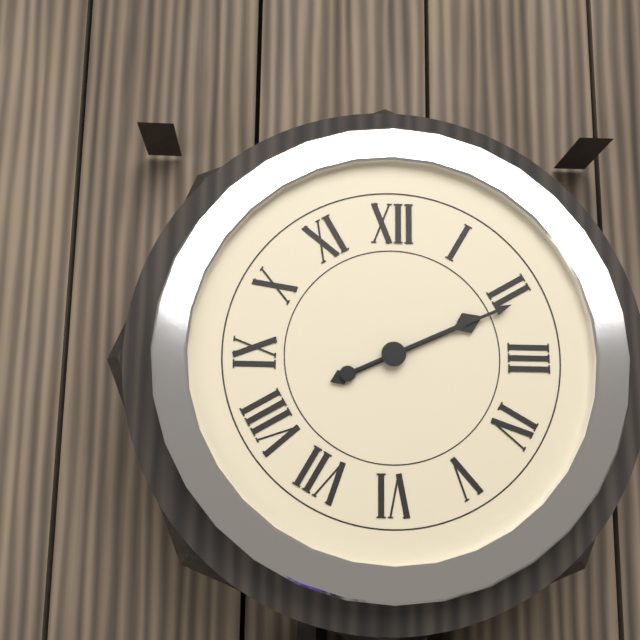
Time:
2.11
